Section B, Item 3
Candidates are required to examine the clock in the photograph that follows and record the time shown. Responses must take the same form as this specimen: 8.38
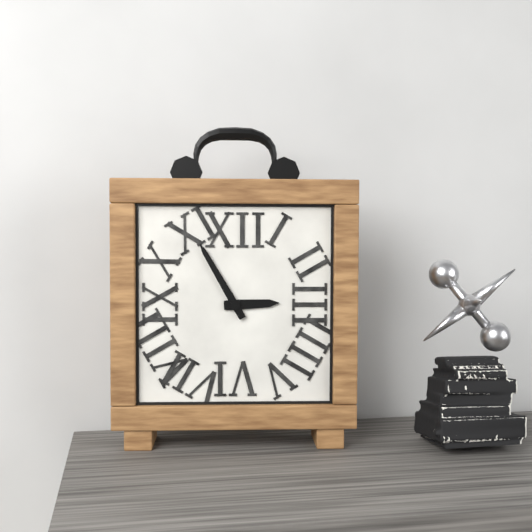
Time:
2.55
